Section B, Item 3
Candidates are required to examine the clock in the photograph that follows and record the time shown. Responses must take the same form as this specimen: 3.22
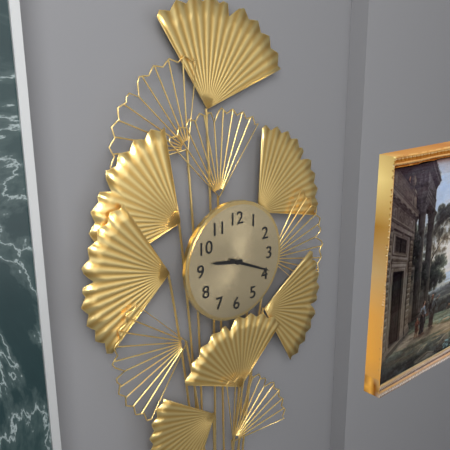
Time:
9.19
